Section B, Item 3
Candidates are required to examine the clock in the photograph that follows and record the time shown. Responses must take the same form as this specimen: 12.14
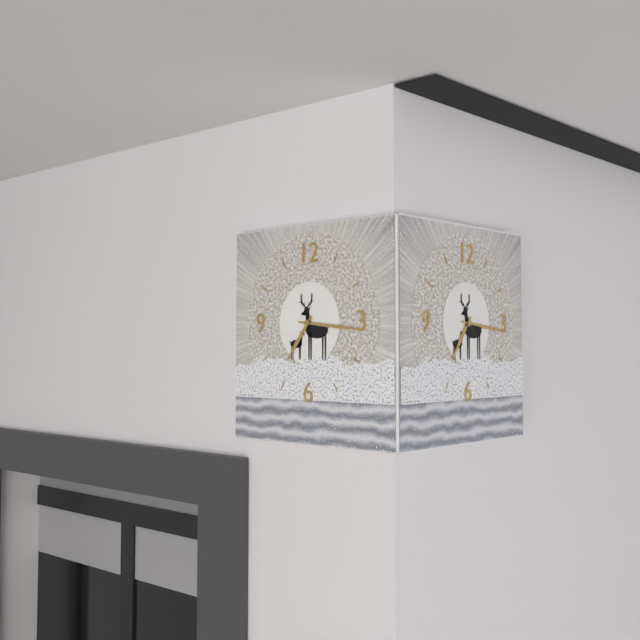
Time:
7.16
